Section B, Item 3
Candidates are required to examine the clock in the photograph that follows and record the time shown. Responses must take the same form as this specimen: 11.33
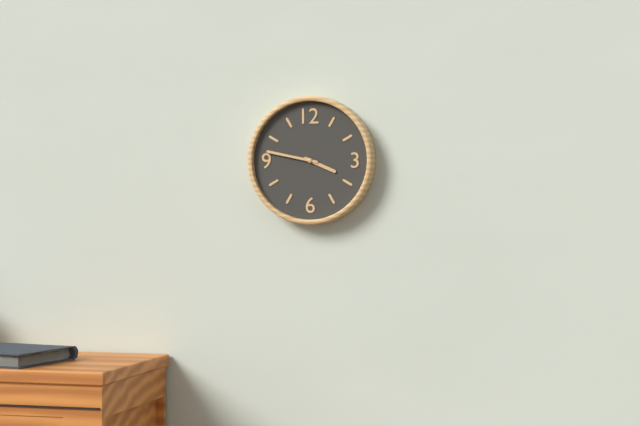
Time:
3.47
